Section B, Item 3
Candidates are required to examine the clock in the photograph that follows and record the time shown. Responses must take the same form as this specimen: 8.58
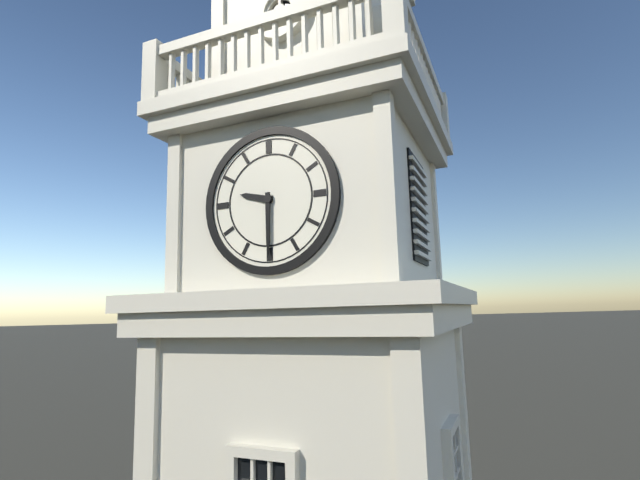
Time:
9.30
